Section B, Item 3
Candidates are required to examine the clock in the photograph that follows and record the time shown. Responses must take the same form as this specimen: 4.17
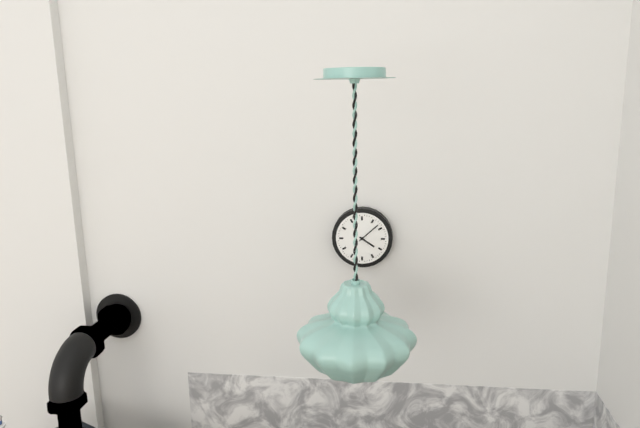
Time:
4.08
